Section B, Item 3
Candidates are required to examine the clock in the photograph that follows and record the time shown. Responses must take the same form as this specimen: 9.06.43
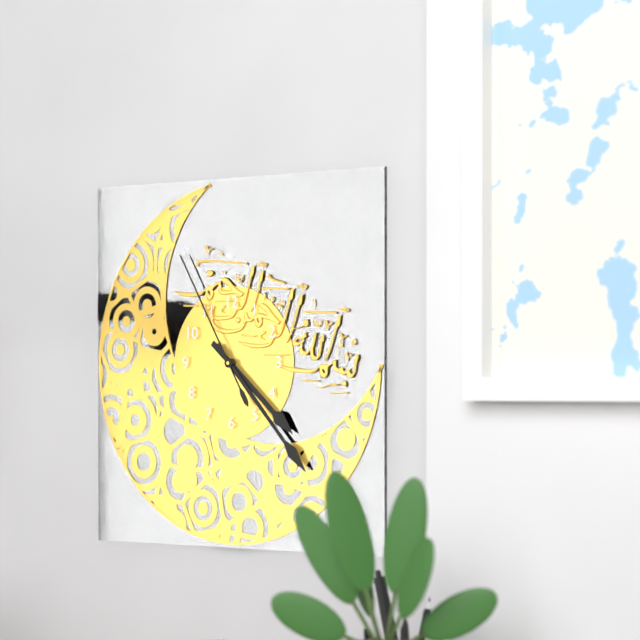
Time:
4.23.55
